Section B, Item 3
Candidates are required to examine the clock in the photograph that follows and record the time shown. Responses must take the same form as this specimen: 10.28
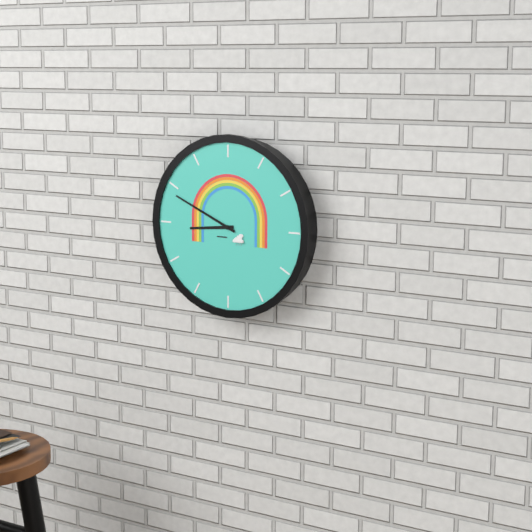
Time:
8.49
